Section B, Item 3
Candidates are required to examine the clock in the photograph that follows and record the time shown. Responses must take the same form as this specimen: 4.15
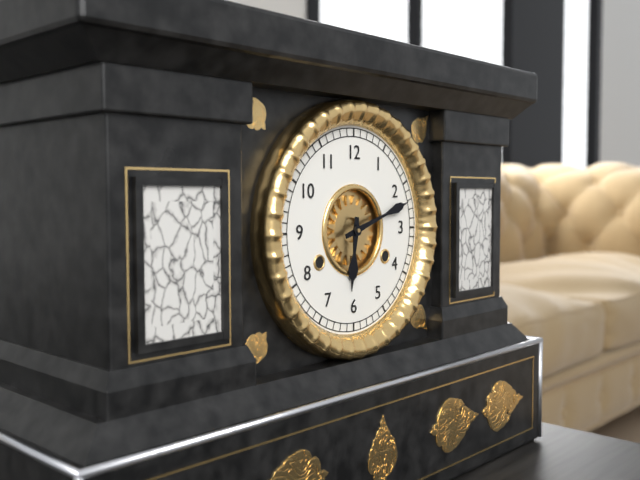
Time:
6.12
